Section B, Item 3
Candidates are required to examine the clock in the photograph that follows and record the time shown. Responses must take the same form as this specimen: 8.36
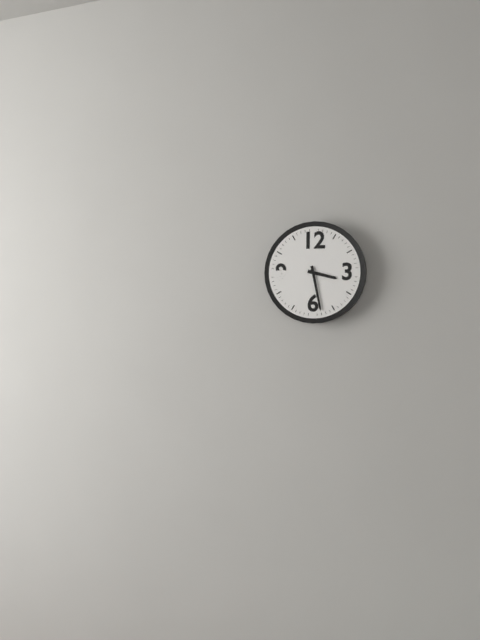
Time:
3.28
